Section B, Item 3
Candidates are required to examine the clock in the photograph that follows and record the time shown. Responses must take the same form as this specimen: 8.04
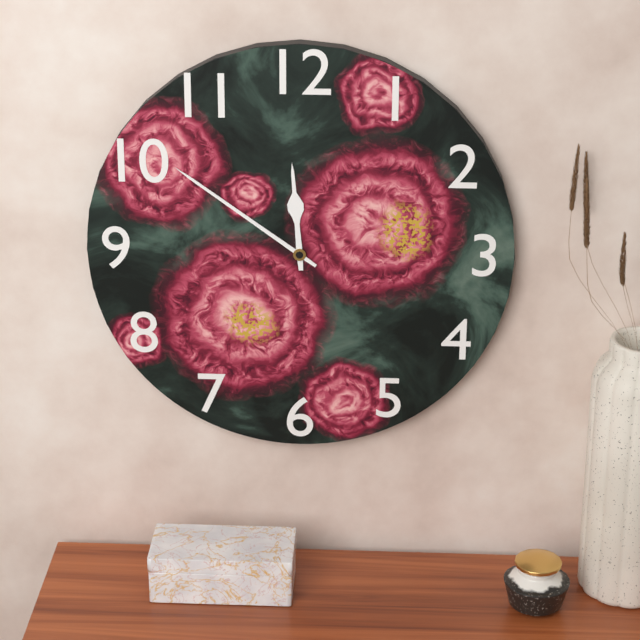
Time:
11.51
